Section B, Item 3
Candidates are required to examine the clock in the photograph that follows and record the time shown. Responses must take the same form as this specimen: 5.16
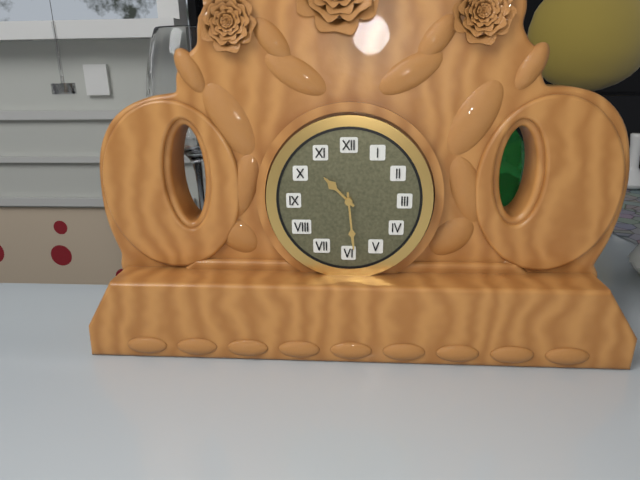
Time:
10.29
